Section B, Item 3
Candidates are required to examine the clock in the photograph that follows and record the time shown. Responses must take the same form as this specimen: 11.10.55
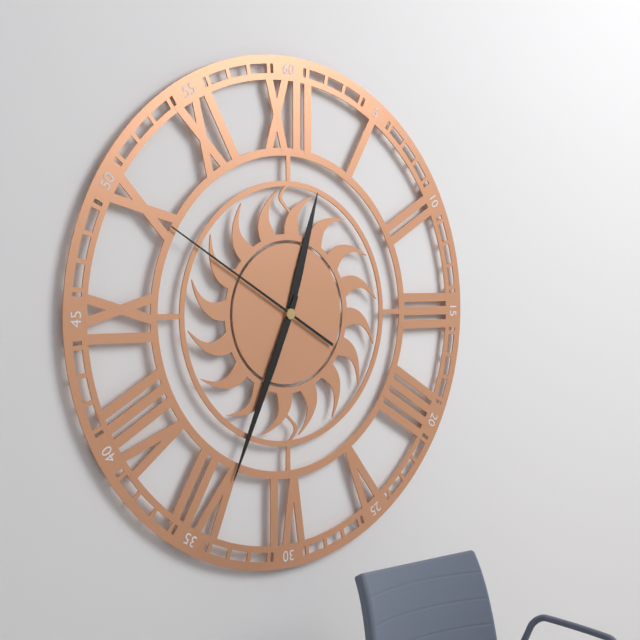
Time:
12.34.50
